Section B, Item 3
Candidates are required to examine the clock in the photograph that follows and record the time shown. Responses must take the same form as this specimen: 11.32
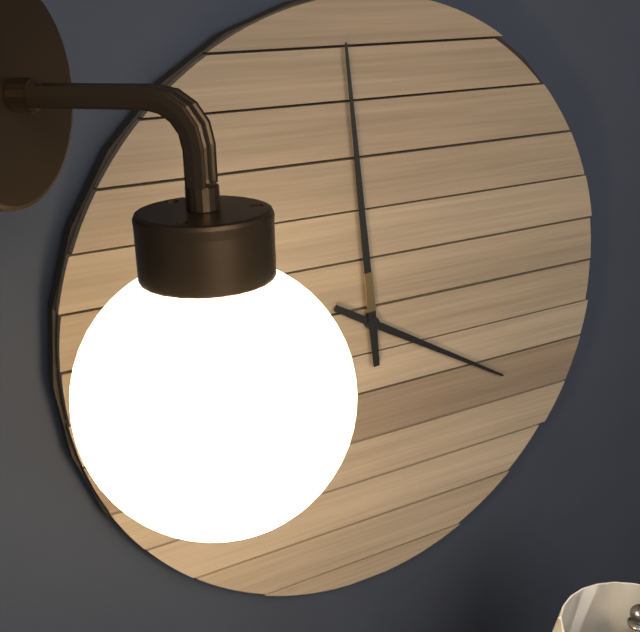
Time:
3.59
